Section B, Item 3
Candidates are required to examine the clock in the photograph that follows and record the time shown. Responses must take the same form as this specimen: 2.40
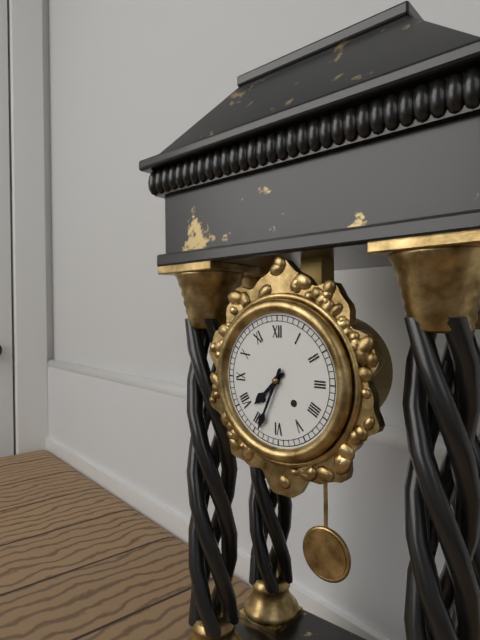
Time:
7.34
